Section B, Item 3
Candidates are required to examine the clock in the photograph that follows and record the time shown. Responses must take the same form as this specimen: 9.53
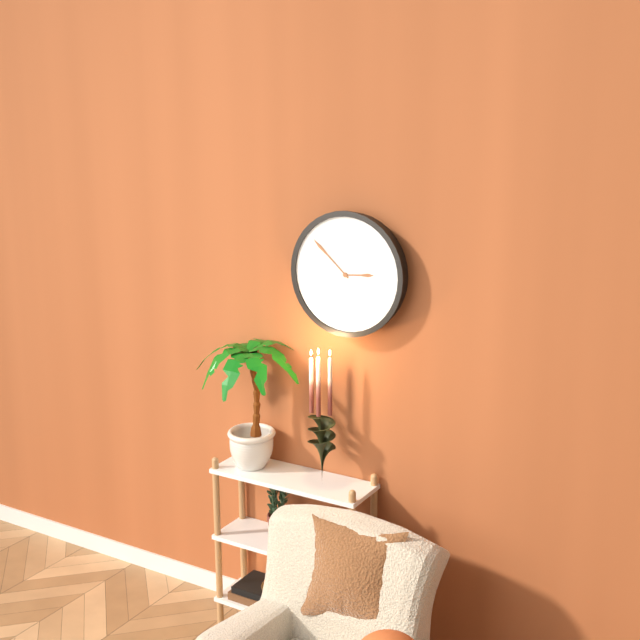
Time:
2.52
